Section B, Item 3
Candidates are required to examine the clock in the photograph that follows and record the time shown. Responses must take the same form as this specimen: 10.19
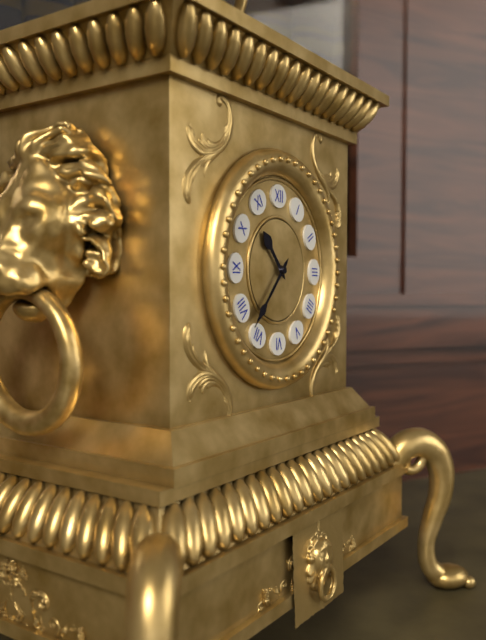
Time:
10.37
